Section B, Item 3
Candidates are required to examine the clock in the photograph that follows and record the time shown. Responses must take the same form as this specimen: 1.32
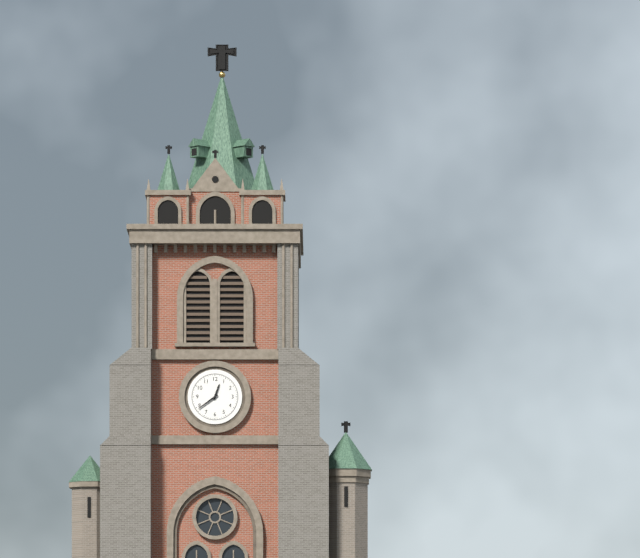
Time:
12.39
